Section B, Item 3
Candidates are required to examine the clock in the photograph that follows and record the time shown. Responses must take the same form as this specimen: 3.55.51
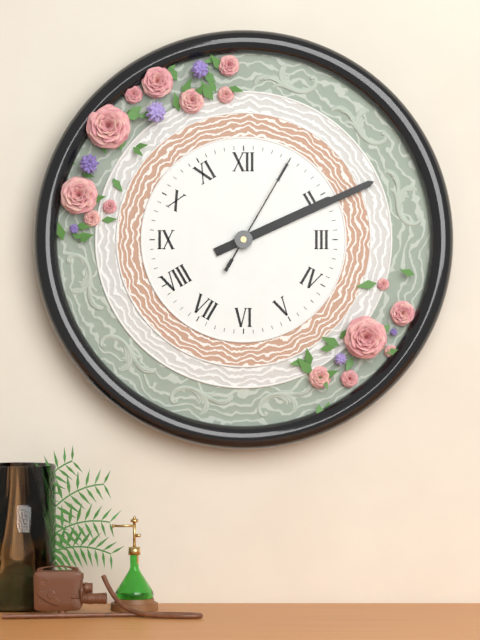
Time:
2.11.05
